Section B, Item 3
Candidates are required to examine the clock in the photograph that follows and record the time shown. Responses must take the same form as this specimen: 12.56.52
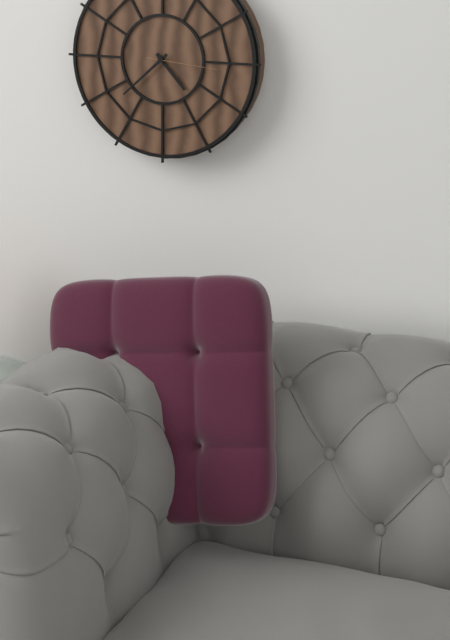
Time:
4.38.16
